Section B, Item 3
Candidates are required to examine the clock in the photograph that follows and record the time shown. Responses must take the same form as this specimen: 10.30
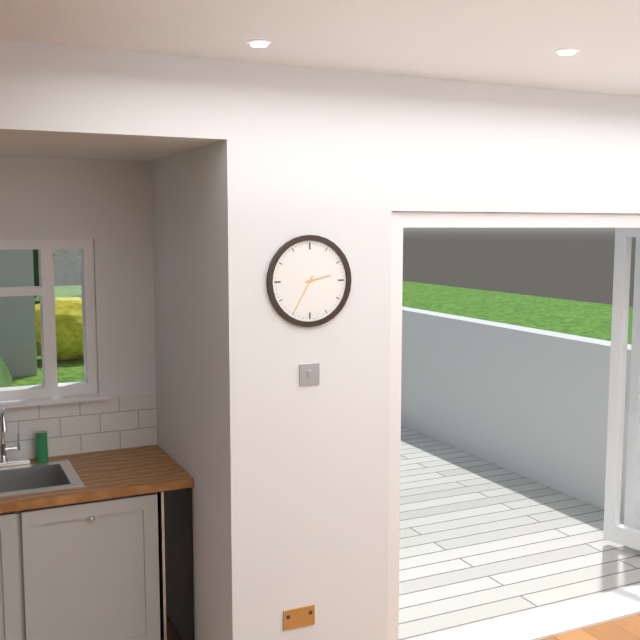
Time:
2.35
